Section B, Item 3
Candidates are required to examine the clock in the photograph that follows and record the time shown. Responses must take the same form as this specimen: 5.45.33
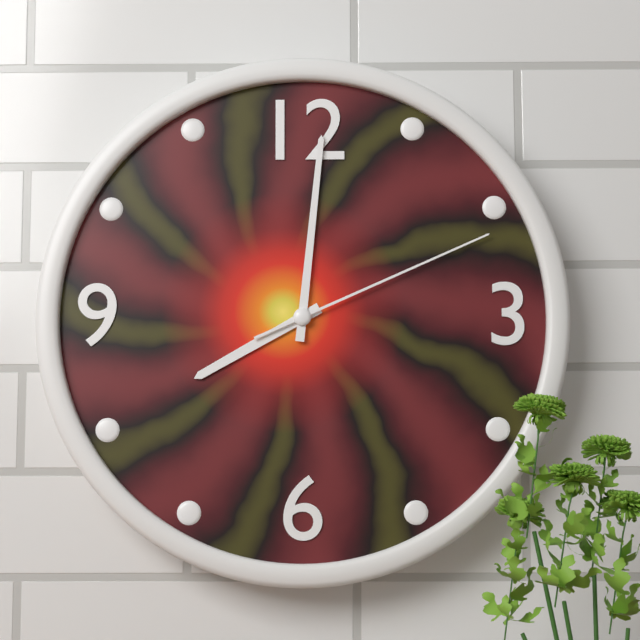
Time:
8.01.11
